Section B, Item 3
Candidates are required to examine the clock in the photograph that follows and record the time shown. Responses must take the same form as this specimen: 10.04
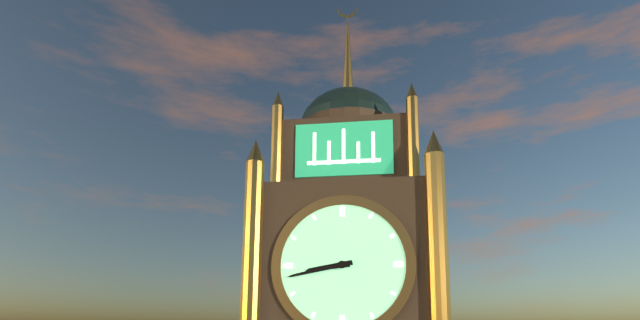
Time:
8.43
